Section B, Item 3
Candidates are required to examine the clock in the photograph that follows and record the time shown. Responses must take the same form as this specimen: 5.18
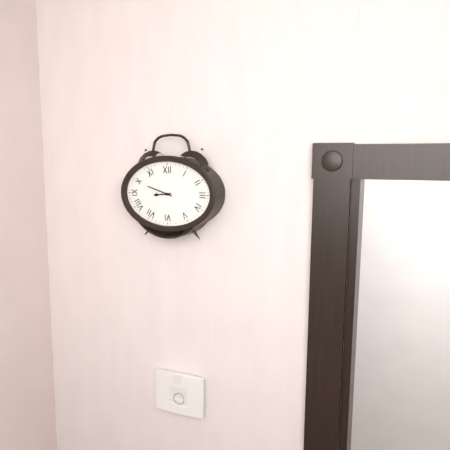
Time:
8.48
